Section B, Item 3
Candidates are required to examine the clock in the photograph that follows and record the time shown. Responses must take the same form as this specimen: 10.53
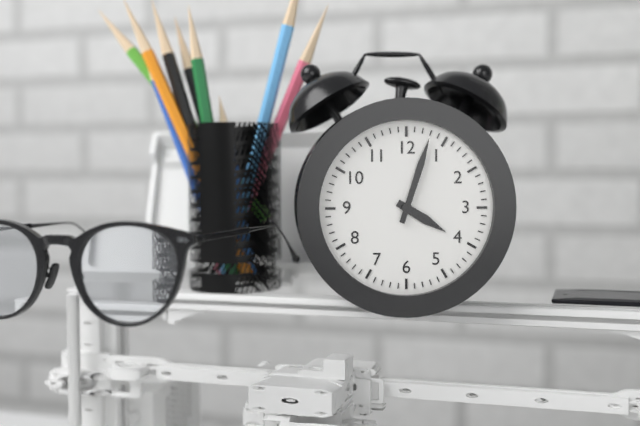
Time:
4.03
